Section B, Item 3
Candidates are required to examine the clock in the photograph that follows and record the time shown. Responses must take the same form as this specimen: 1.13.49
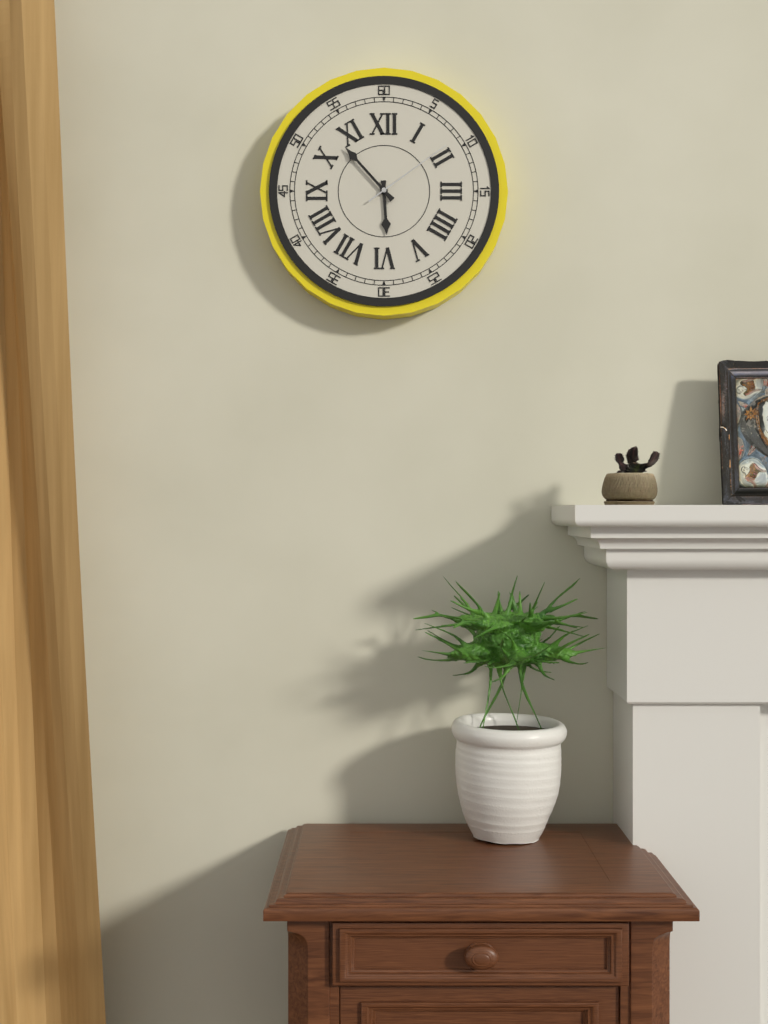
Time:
5.53.09
